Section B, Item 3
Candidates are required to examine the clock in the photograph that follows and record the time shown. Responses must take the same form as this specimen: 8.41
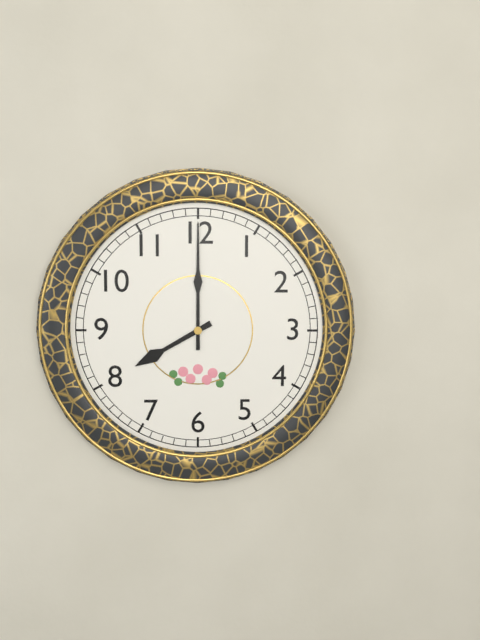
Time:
8.00
